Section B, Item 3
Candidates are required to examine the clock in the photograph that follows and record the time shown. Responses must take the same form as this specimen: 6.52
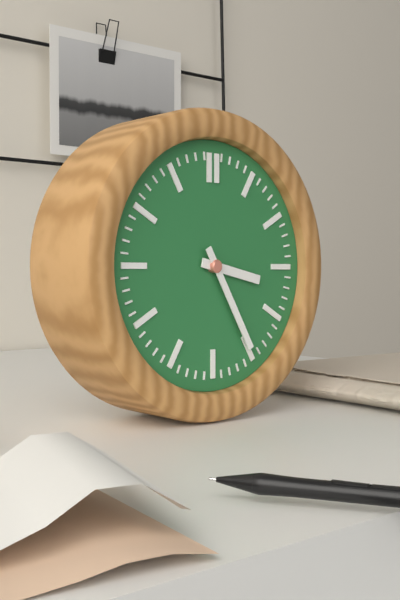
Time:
3.25
